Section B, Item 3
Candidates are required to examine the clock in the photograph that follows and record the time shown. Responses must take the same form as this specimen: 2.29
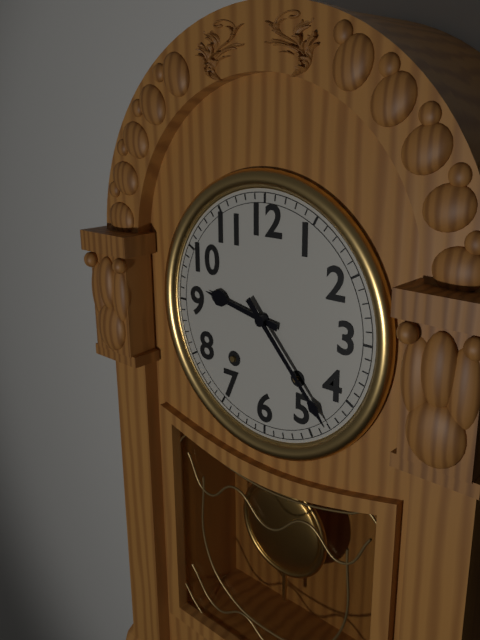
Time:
9.23
